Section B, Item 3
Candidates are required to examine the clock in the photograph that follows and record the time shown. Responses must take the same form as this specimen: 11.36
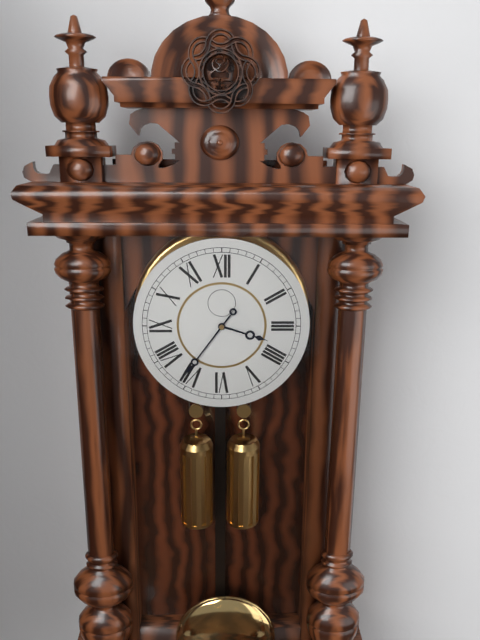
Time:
3.36
